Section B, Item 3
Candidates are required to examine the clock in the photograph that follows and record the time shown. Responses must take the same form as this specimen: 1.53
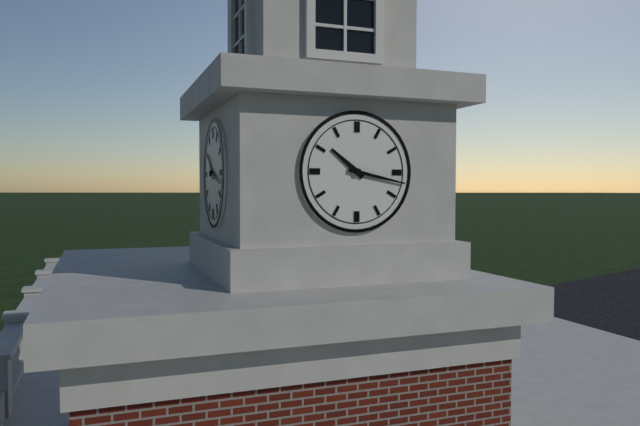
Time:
10.17
